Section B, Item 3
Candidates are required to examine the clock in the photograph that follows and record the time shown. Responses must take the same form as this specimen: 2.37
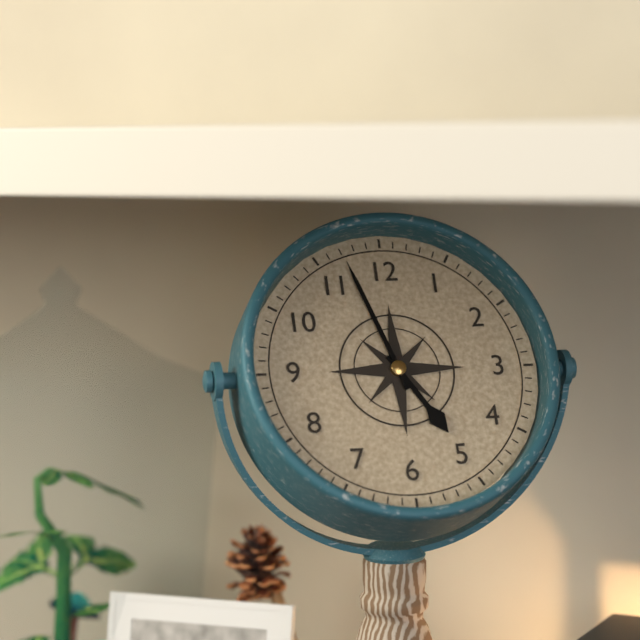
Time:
4.57
